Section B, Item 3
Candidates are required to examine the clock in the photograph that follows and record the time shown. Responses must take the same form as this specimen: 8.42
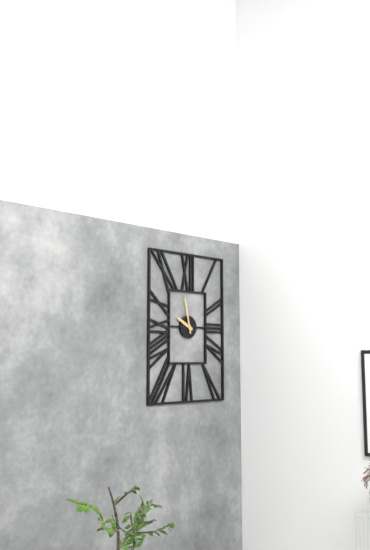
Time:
9.58
